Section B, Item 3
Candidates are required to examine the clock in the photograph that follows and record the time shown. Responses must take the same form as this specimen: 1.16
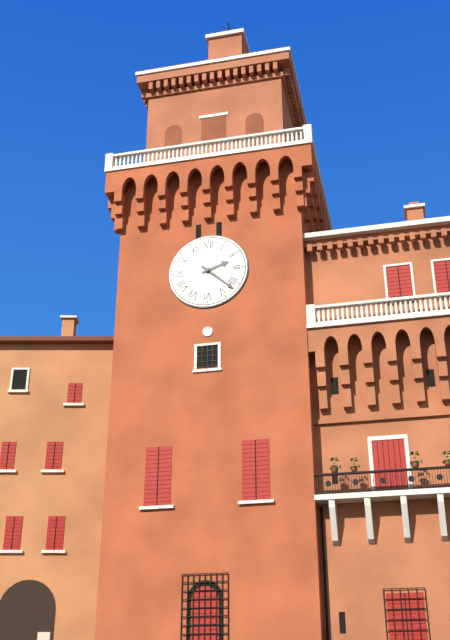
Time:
2.22
